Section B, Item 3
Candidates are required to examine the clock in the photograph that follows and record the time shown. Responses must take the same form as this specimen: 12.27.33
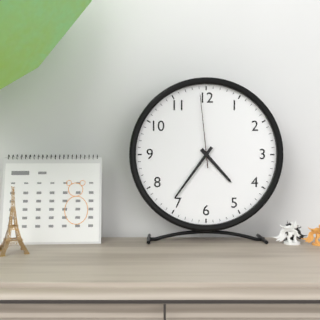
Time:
4.36.59
